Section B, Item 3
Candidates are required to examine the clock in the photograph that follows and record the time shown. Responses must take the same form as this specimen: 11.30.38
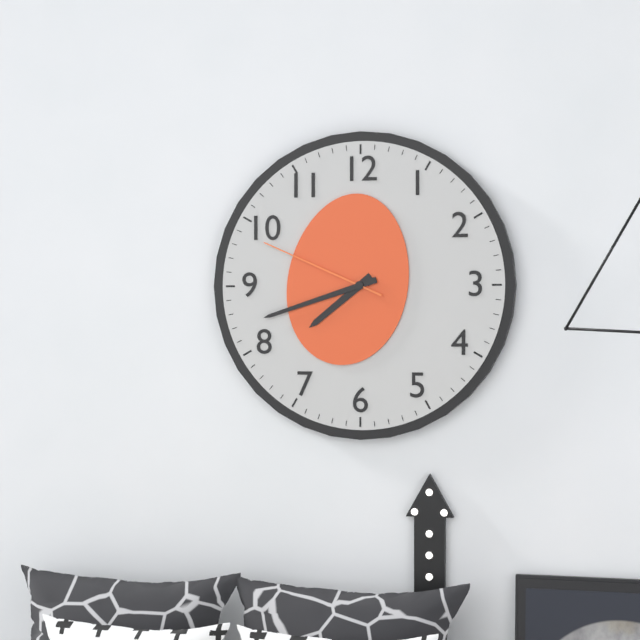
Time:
7.42.49
